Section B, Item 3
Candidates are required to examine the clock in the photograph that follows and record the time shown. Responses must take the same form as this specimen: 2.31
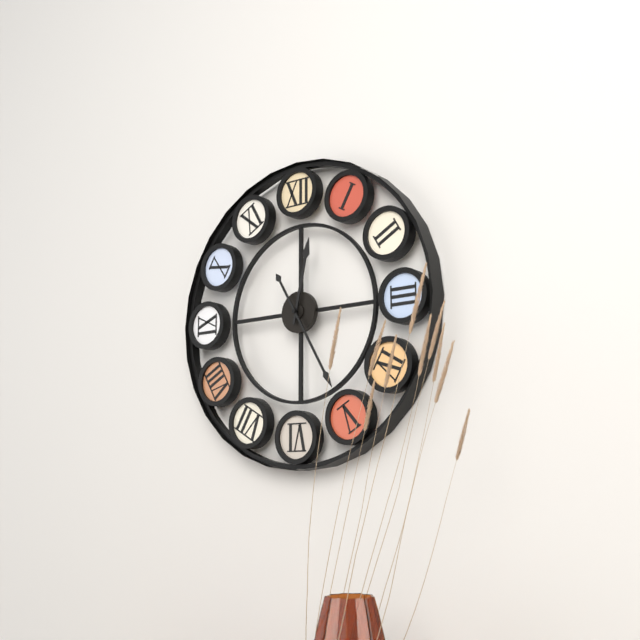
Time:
12.25
